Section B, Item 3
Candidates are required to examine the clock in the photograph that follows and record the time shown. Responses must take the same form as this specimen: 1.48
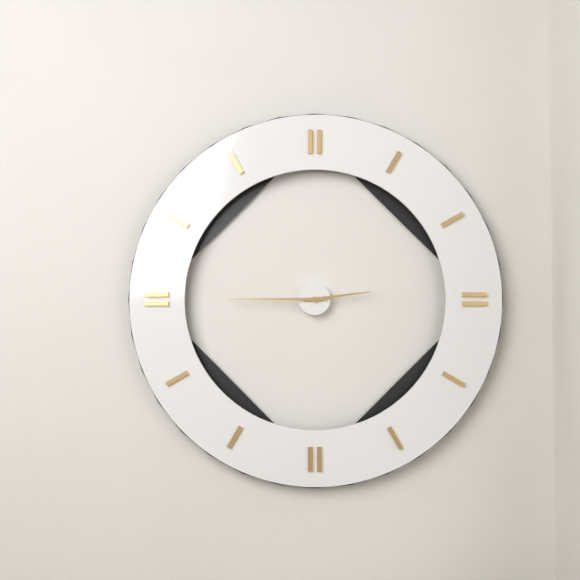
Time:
2.45
